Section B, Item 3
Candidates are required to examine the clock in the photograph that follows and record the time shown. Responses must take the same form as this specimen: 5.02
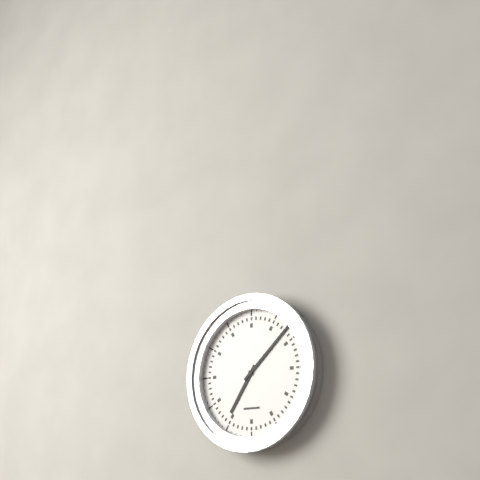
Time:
7.08
